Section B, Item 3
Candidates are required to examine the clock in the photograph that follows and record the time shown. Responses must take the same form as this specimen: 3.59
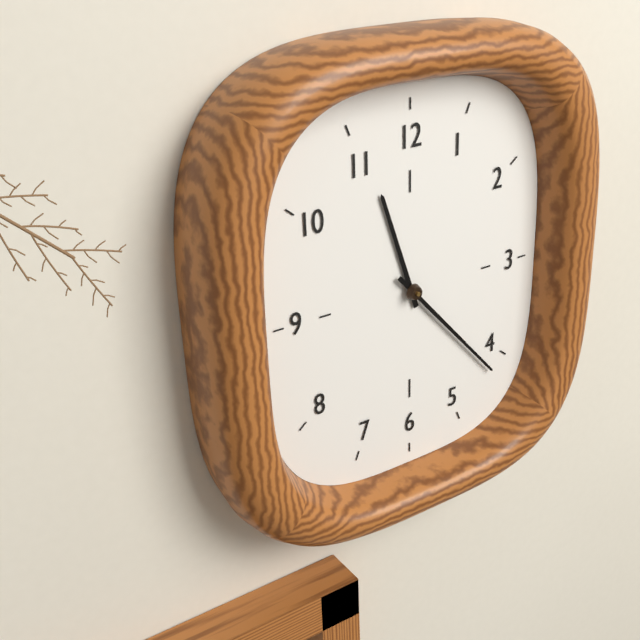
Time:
11.23
